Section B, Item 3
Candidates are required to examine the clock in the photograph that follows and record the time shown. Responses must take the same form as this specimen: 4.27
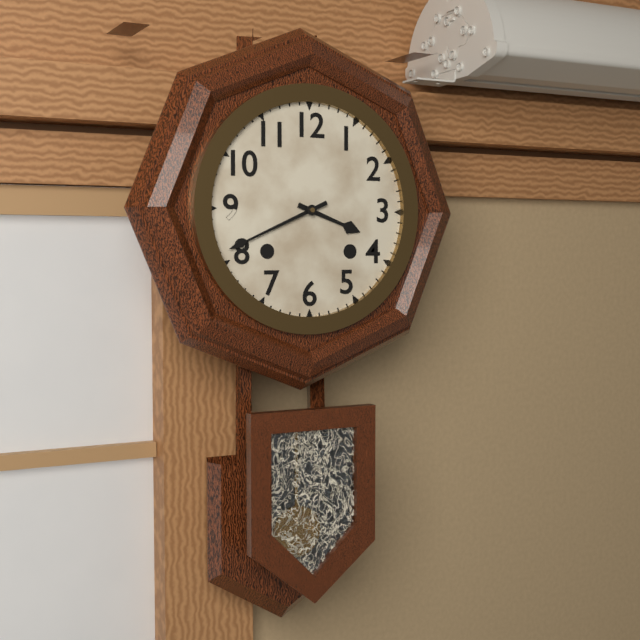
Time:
3.41
